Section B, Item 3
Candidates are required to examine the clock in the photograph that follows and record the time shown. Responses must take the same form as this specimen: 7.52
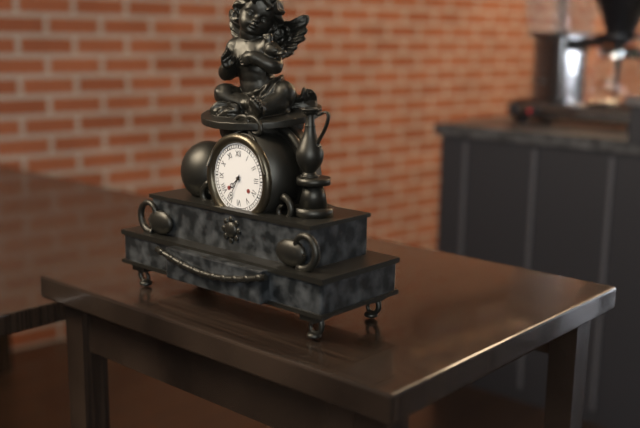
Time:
7.35
